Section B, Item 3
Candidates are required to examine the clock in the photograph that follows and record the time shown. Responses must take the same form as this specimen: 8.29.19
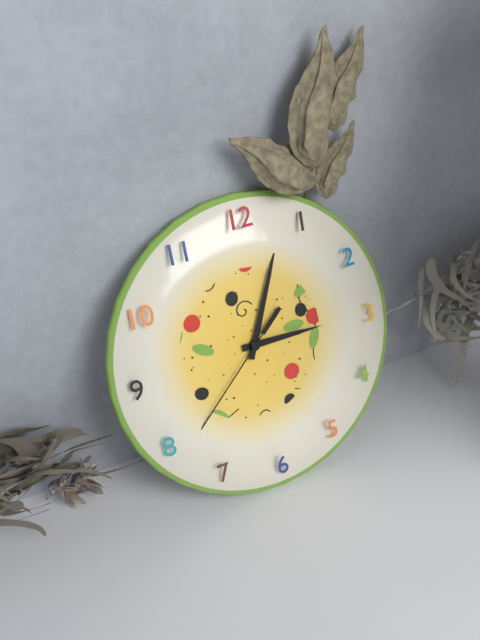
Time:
3.04.38
